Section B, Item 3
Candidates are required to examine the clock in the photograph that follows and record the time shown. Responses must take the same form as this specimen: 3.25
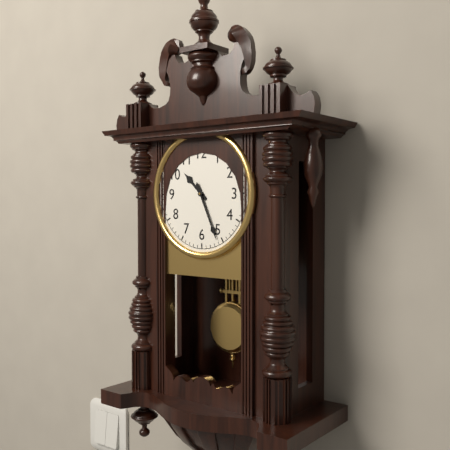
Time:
10.26
